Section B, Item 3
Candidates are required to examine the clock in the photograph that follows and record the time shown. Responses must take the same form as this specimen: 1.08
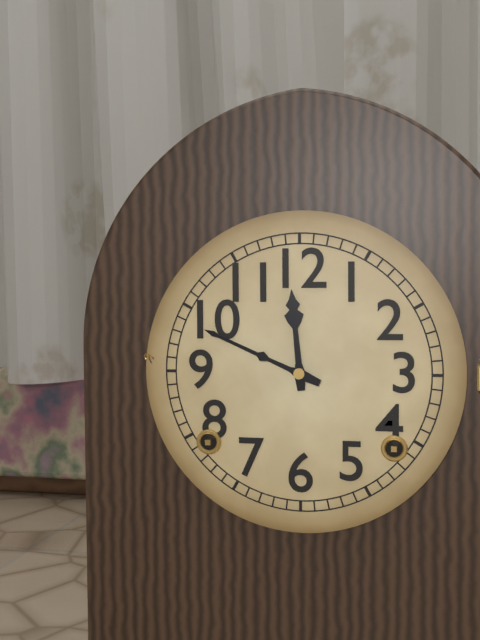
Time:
11.49
